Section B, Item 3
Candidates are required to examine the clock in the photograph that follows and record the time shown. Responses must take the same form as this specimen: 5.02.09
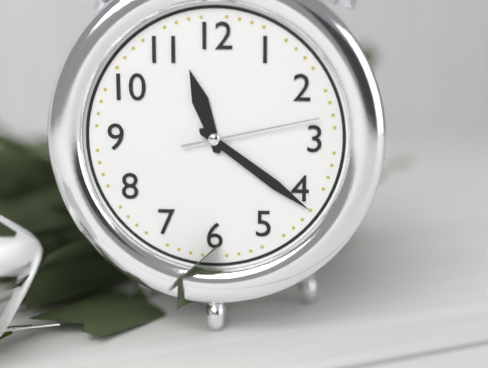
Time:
11.21.13
